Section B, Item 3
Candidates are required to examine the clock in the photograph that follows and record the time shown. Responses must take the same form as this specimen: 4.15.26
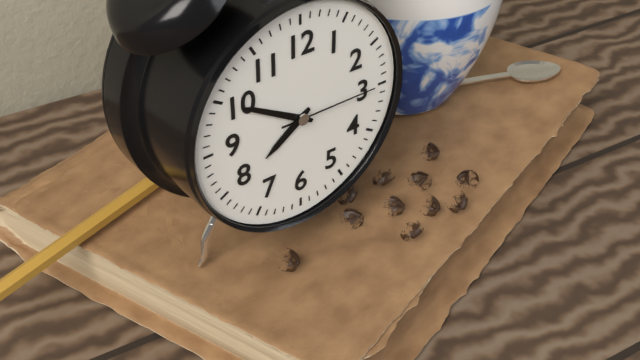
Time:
7.50.15
